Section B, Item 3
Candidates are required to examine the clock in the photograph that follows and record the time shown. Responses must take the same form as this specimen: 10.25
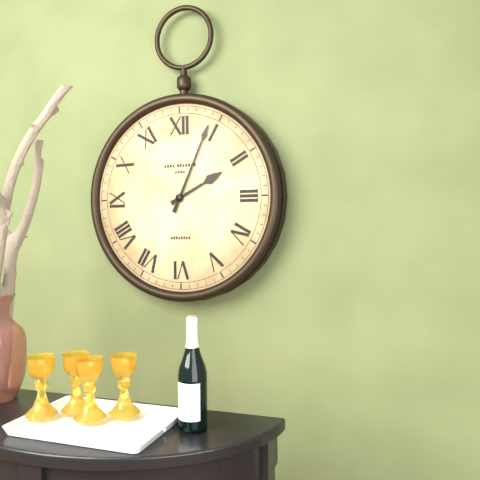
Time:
2.04
